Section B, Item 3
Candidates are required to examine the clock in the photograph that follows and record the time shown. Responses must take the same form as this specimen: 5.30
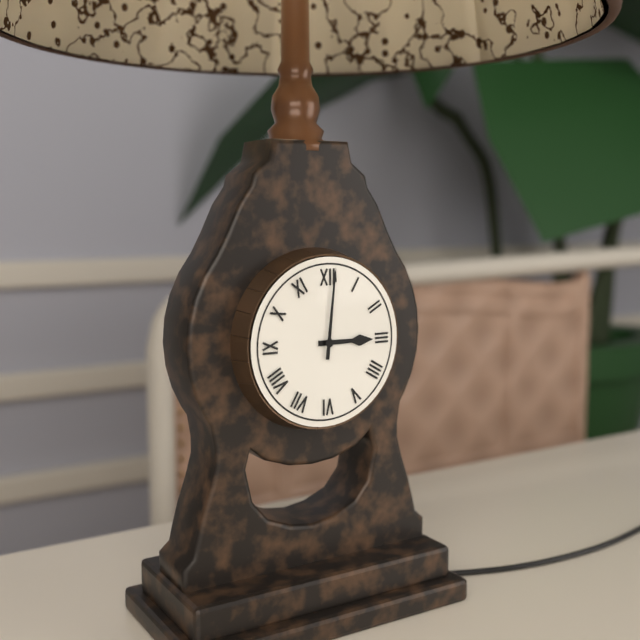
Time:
3.01
